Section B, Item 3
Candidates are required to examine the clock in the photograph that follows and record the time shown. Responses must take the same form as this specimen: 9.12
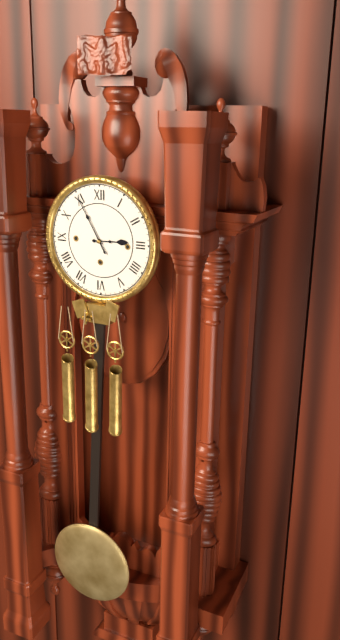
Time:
2.55
